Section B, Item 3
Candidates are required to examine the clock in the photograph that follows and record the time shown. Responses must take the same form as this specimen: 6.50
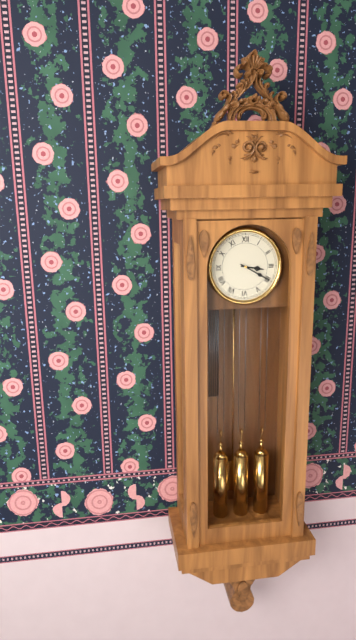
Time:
3.20
